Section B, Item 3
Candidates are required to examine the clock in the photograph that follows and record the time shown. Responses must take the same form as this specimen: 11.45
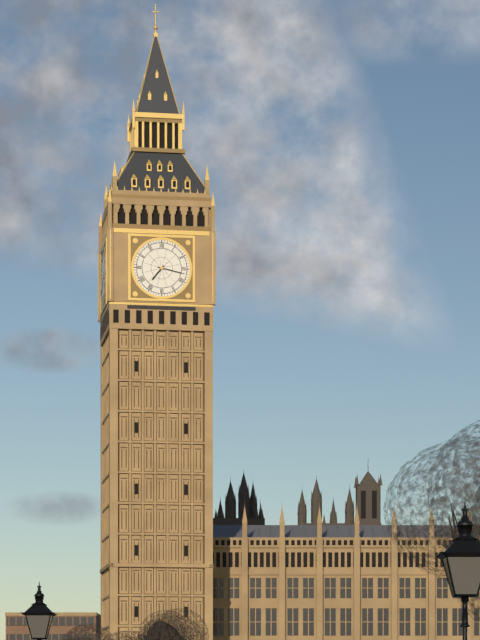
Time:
7.17
